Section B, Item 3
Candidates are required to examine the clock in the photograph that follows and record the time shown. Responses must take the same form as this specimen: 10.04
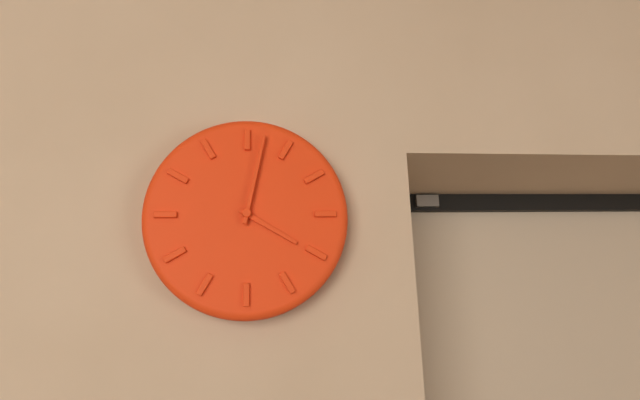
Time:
4.02
